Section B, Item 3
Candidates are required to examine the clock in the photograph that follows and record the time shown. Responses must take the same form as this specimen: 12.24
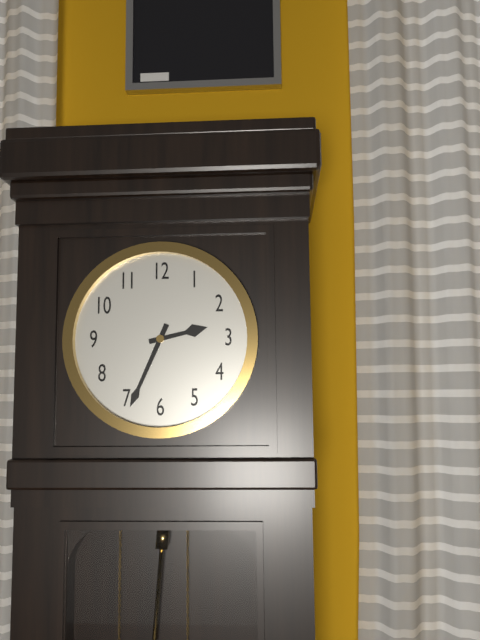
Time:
2.34
